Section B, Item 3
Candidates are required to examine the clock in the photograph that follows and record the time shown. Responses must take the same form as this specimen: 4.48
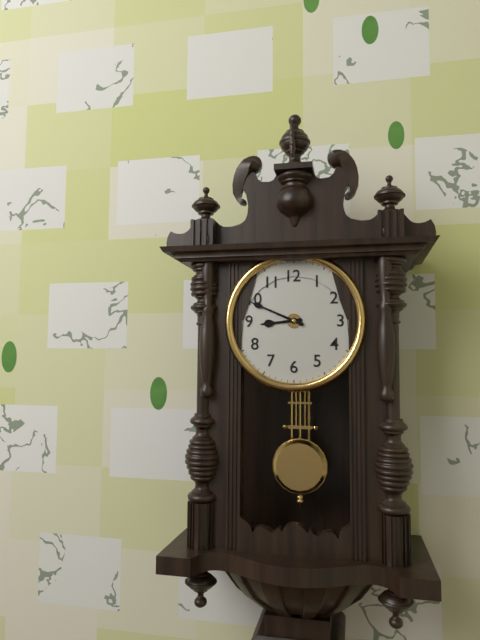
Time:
8.49
